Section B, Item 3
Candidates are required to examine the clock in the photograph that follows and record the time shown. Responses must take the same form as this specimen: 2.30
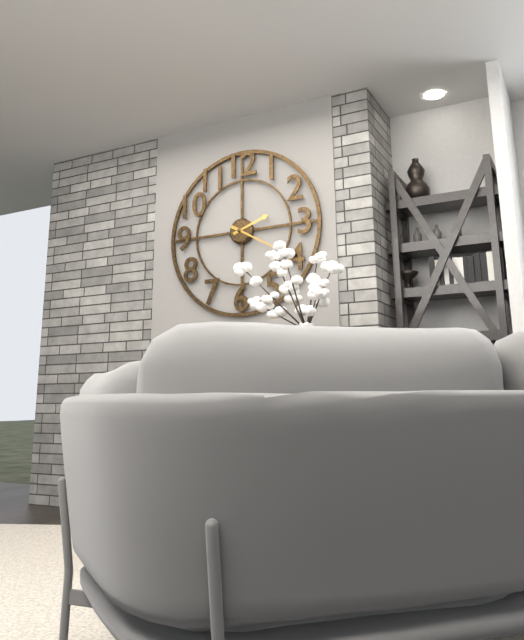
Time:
2.20
